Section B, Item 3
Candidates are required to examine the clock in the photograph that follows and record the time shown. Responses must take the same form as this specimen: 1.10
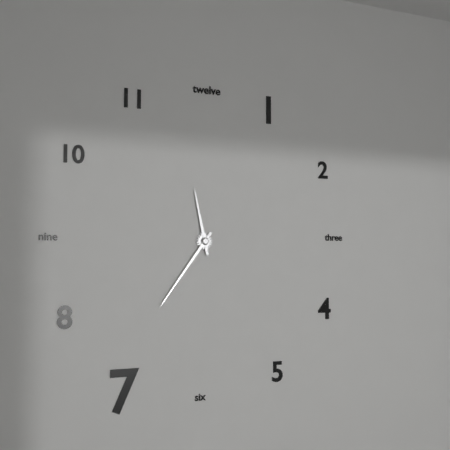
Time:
11.36
